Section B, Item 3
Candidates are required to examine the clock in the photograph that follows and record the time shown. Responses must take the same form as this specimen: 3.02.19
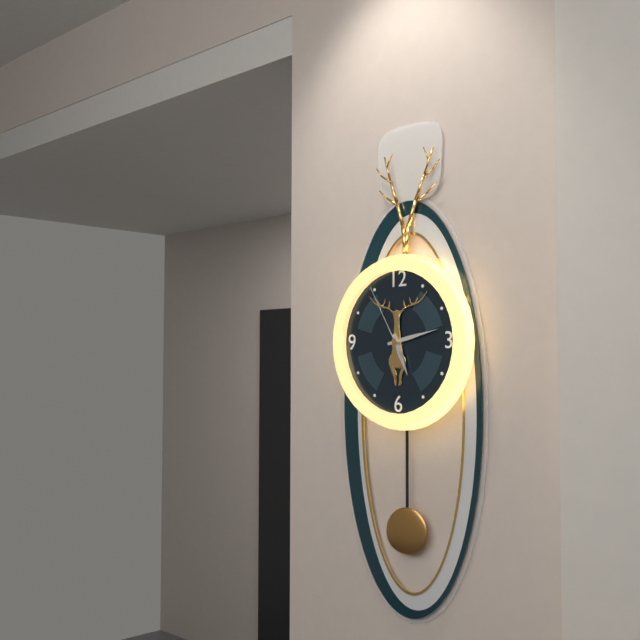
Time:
5.13.55
